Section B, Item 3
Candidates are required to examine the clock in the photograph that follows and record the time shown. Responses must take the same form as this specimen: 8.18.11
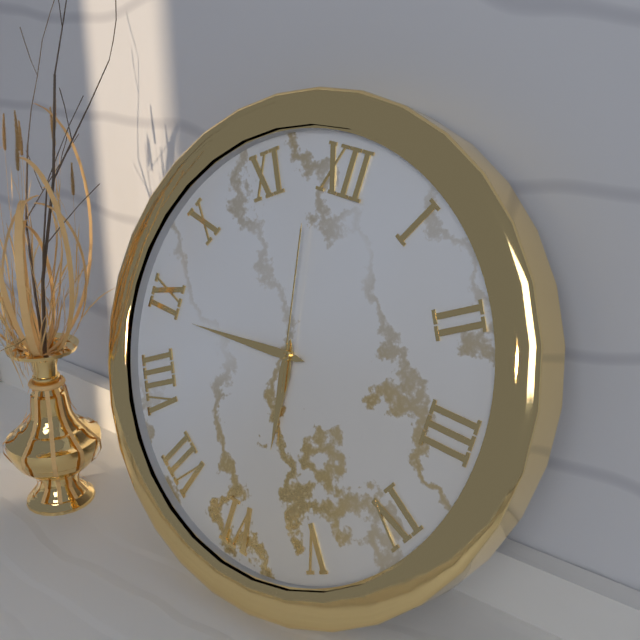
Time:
5.44.58
